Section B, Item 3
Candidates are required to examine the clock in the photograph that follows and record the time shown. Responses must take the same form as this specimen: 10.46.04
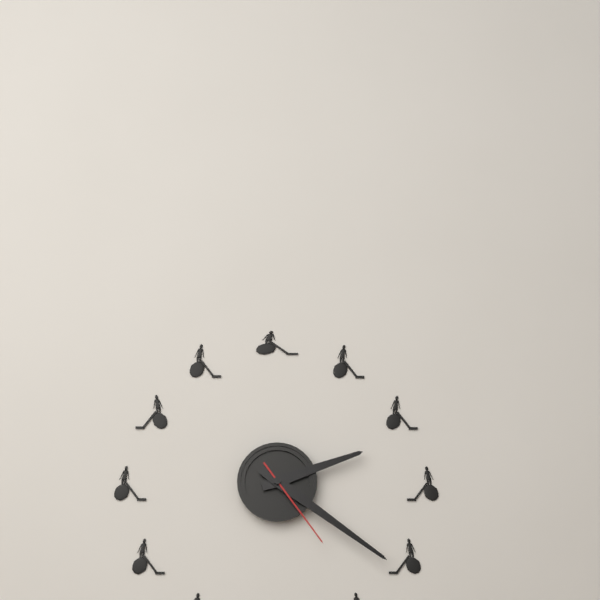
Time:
2.21.24
